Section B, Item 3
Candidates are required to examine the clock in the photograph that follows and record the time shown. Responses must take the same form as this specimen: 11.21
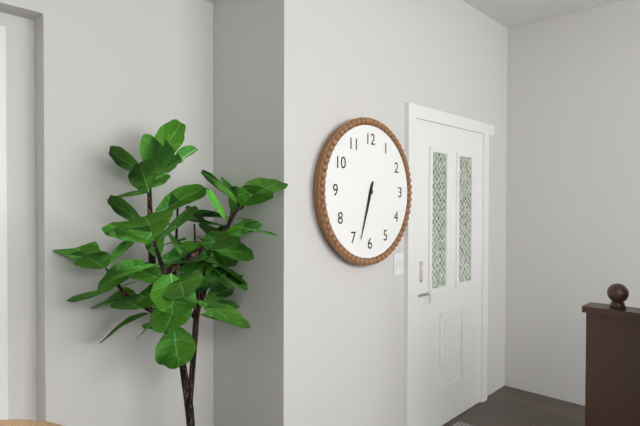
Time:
6.33
